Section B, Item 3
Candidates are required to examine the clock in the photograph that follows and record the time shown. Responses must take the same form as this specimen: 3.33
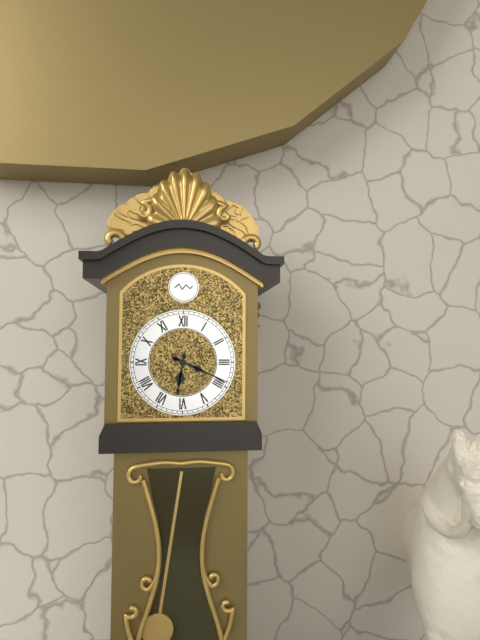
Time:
6.19
